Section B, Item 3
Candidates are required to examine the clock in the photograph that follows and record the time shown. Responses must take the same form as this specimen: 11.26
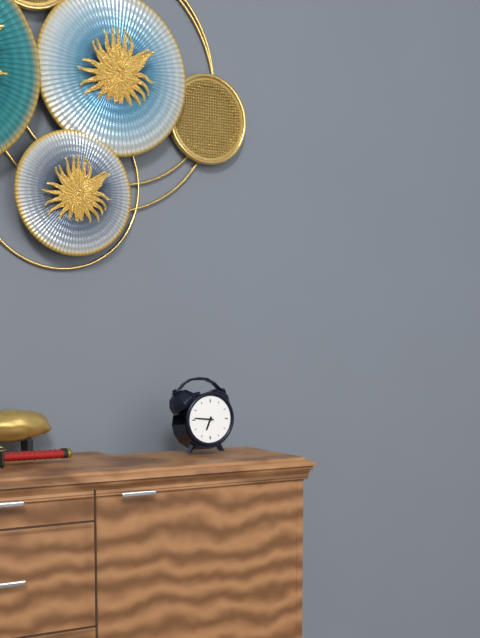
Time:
6.46
